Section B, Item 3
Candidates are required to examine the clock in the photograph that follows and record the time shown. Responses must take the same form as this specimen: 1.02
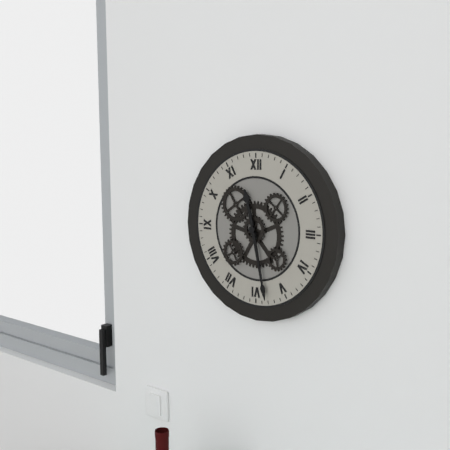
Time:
11.28
